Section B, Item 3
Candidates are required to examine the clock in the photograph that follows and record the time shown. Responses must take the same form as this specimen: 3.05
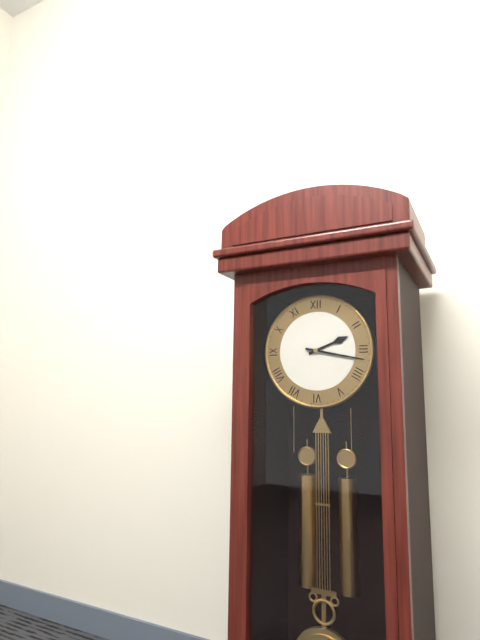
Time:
2.17
